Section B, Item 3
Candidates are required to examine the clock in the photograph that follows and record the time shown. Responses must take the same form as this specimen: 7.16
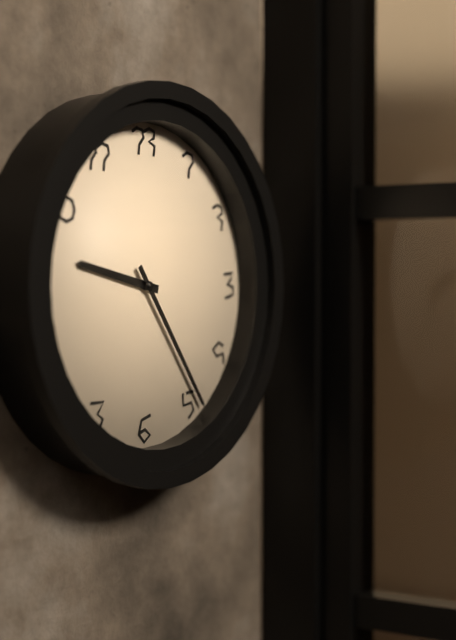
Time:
9.24
